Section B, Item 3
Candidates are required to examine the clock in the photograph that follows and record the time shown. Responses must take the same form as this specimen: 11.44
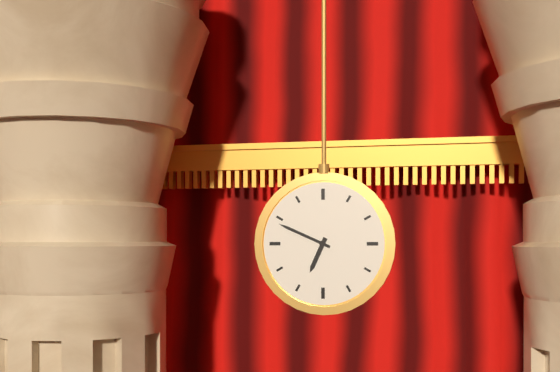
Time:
6.49
